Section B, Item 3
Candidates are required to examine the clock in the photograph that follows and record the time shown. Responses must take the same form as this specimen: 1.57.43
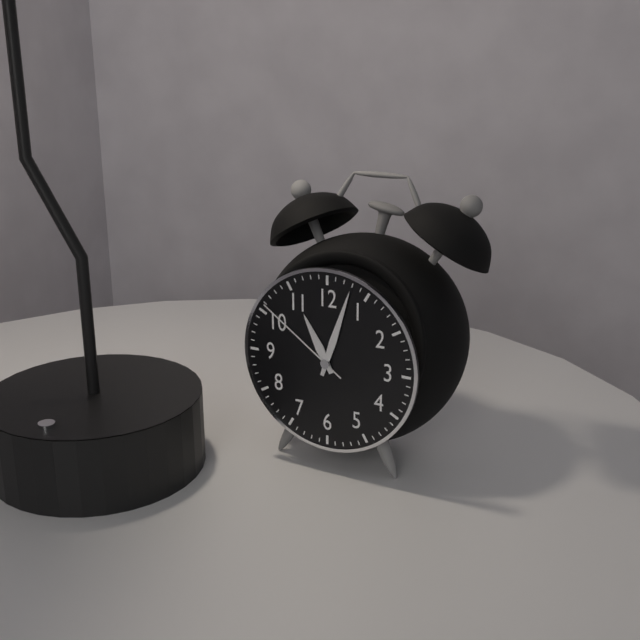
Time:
11.03.51
